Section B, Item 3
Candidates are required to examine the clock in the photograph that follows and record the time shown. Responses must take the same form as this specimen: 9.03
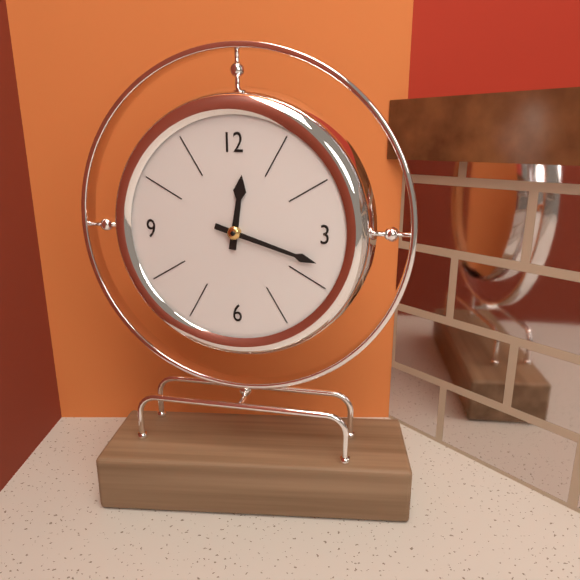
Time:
12.18
